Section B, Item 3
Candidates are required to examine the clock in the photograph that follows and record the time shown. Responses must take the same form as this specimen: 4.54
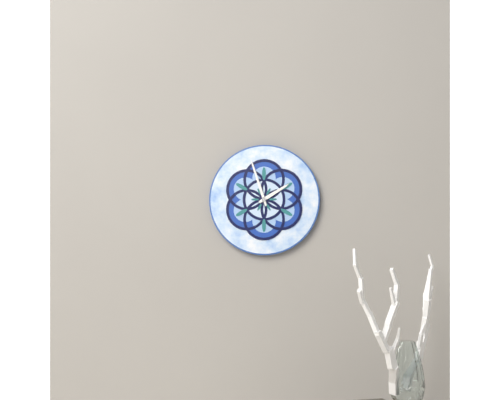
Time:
1.57
